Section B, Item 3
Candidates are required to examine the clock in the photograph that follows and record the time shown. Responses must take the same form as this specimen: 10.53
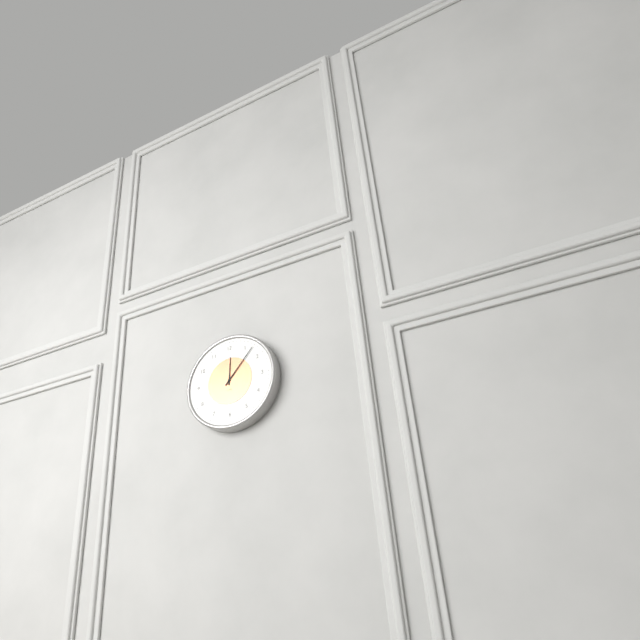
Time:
12.07
